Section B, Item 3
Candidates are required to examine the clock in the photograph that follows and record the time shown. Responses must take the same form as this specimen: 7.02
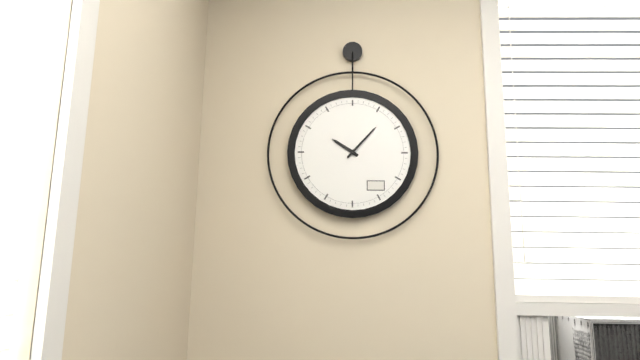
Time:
10.07
